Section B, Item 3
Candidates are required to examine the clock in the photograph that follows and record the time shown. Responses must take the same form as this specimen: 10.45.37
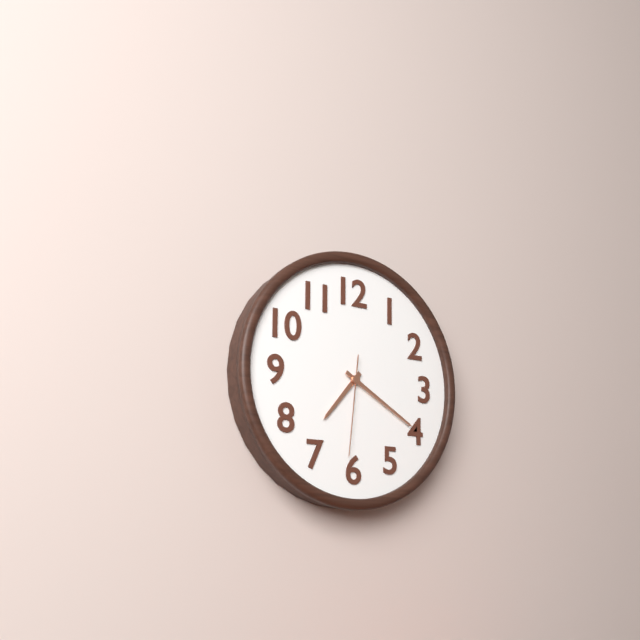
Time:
7.20.31
